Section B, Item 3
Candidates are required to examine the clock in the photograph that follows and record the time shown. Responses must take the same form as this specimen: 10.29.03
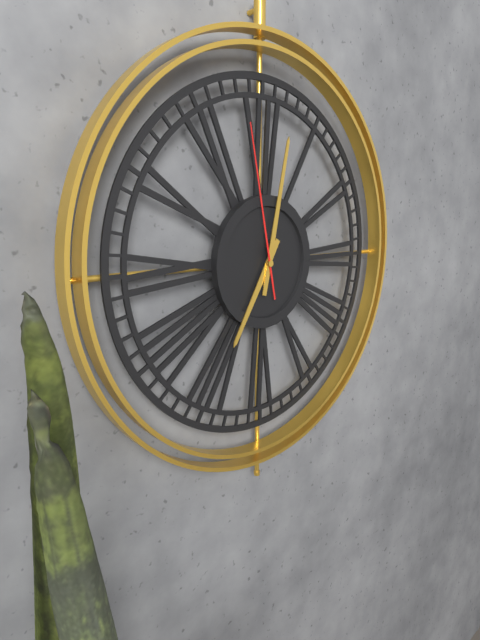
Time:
7.02.58
